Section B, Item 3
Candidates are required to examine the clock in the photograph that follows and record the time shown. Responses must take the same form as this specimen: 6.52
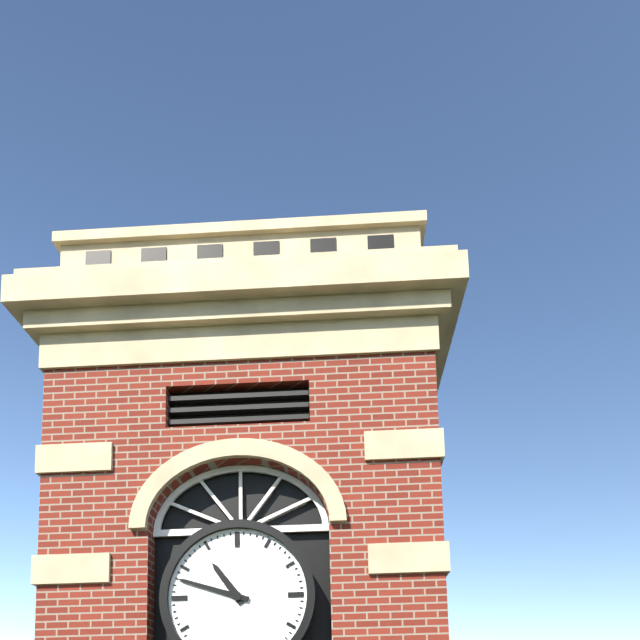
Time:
10.48
